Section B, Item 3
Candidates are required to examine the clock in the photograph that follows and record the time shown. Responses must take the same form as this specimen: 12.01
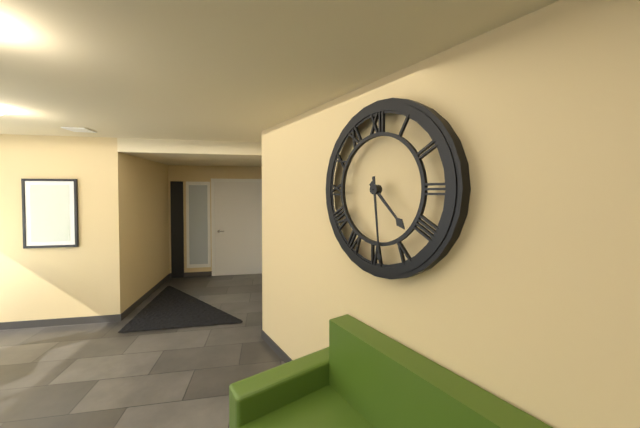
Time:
4.29
